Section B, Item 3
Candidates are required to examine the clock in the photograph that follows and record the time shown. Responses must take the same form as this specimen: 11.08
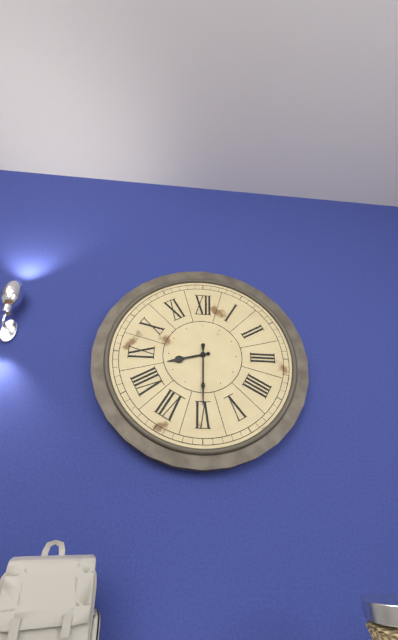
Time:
8.30
